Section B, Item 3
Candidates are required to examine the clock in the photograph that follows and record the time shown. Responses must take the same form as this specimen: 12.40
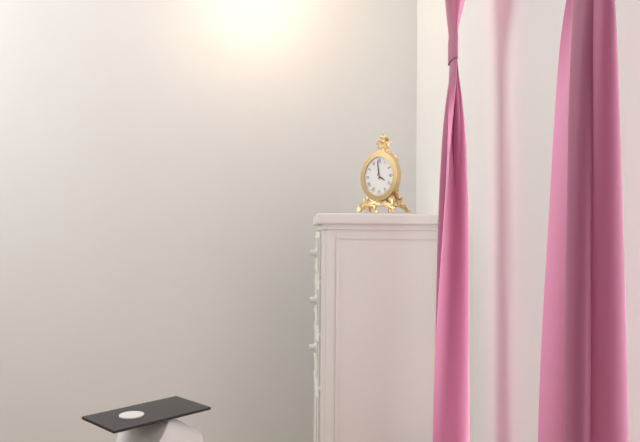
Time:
3.59
